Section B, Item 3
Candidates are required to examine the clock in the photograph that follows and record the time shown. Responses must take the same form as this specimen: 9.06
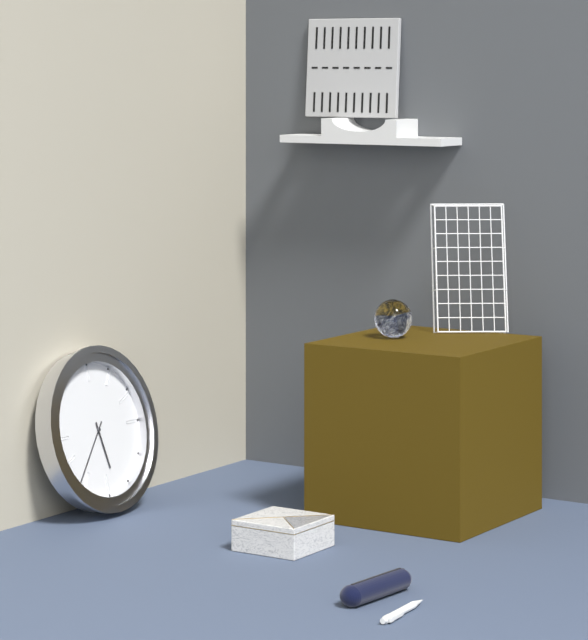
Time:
5.37
